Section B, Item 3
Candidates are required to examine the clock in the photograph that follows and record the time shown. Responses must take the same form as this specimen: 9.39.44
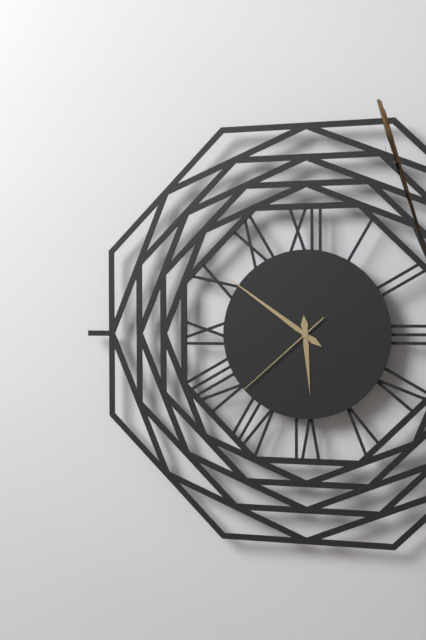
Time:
5.51.38
